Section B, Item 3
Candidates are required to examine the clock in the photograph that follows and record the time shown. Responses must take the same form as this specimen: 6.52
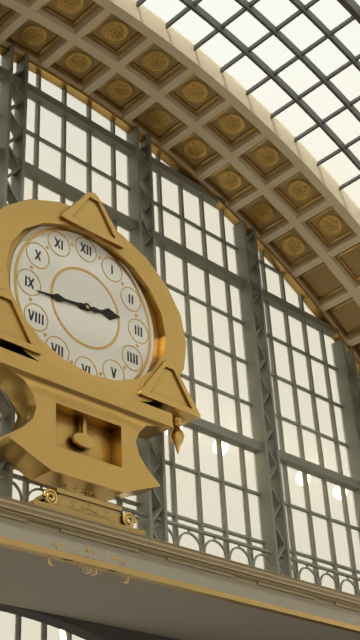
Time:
2.44
